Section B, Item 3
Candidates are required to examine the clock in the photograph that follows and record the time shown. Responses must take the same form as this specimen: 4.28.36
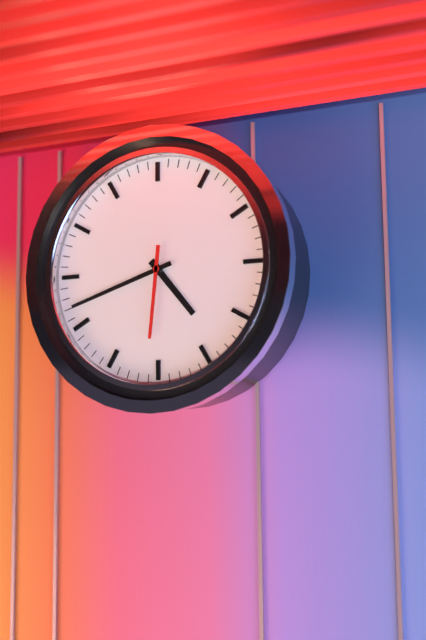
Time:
4.42.31
